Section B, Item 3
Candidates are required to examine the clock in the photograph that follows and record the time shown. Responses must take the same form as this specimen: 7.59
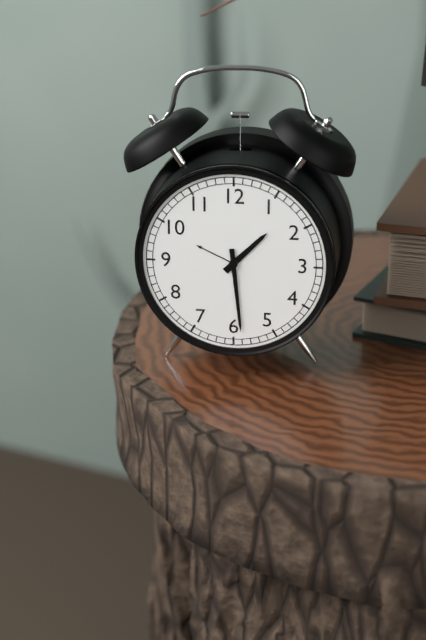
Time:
1.29
